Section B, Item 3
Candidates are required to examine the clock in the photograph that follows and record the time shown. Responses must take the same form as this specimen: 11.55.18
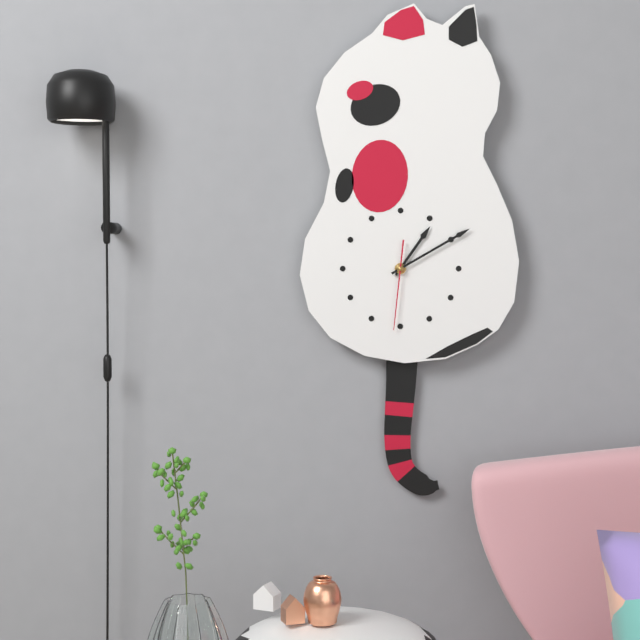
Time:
1.10.31
